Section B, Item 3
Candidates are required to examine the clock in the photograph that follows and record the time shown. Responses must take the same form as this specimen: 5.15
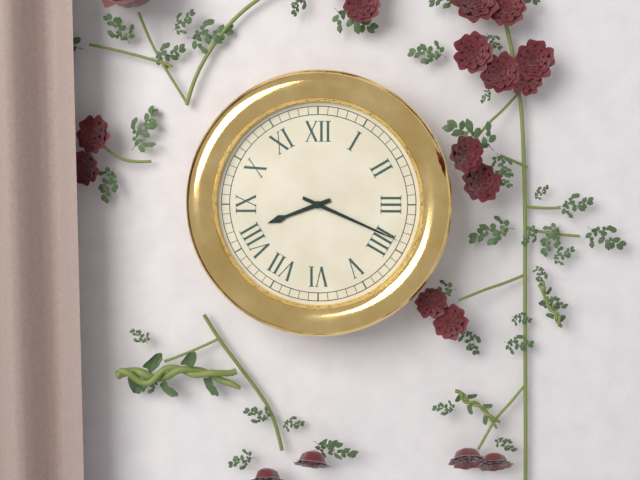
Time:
8.19
